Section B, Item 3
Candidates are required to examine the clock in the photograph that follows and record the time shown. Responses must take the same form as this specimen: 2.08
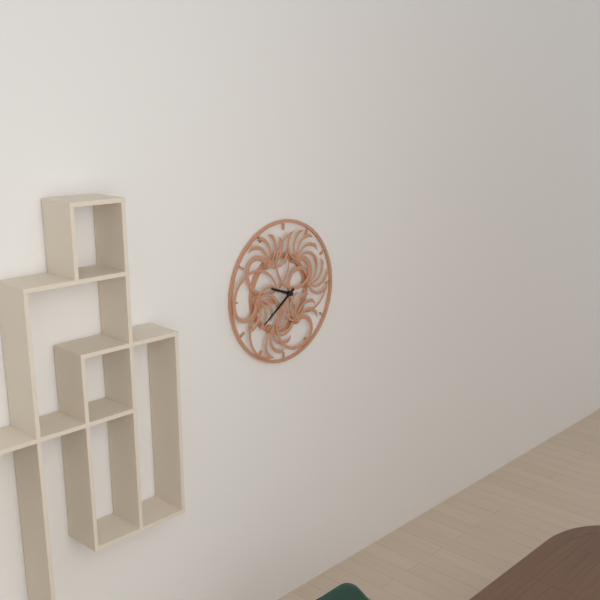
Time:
9.39
